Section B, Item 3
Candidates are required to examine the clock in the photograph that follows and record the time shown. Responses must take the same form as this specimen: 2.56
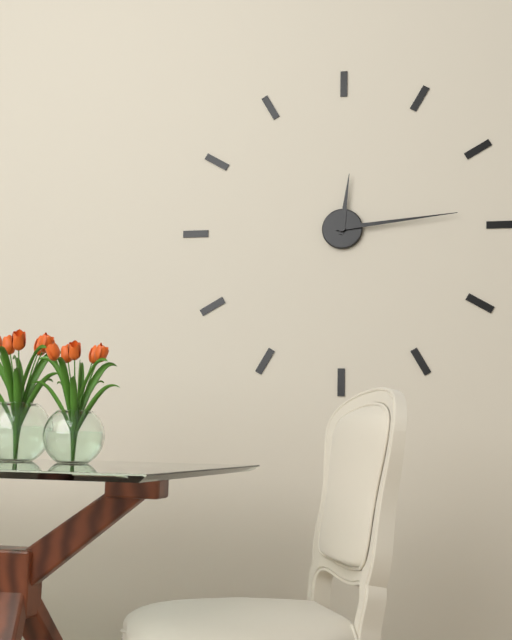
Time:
12.14
